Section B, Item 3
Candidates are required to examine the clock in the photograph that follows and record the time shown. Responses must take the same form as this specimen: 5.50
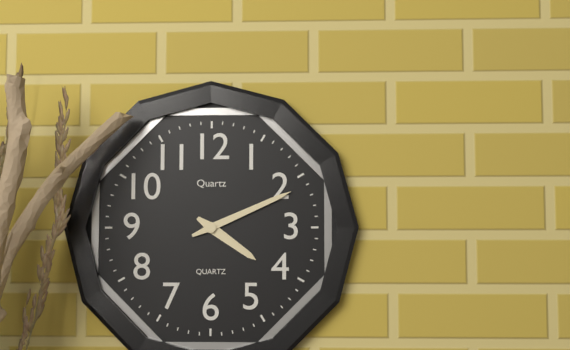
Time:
4.11
